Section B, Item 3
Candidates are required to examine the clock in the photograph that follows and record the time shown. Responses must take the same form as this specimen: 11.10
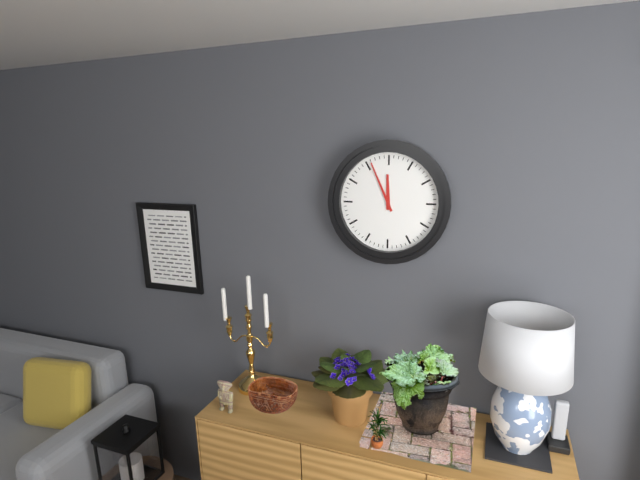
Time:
11.56
